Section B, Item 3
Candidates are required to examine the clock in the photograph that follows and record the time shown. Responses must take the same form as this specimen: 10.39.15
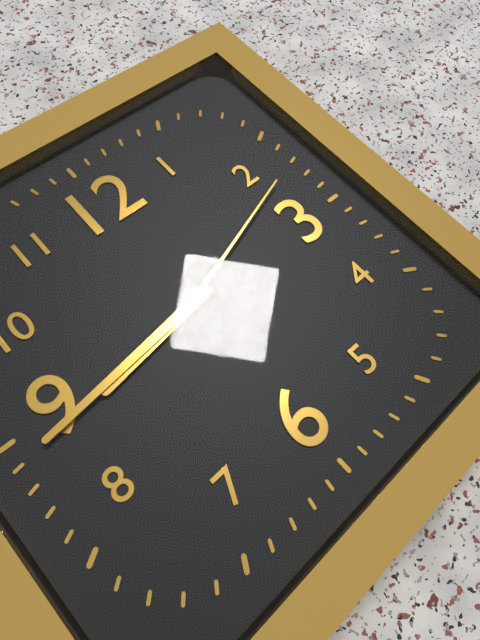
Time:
8.44.12
